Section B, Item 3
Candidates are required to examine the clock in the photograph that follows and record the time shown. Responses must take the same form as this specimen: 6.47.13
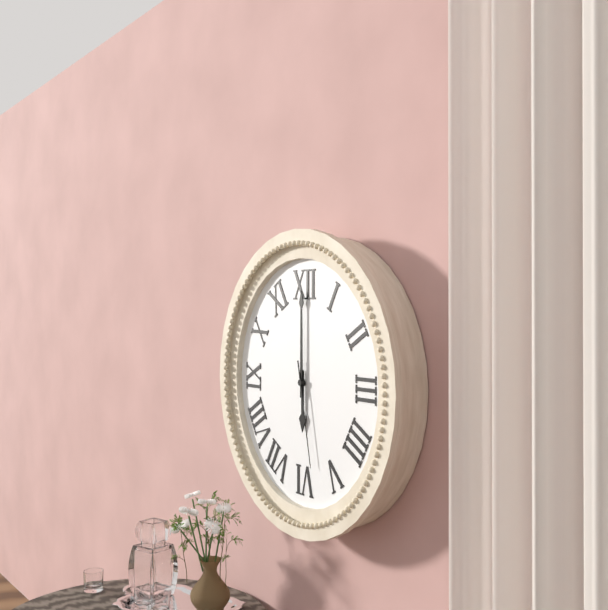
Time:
6.00.28
